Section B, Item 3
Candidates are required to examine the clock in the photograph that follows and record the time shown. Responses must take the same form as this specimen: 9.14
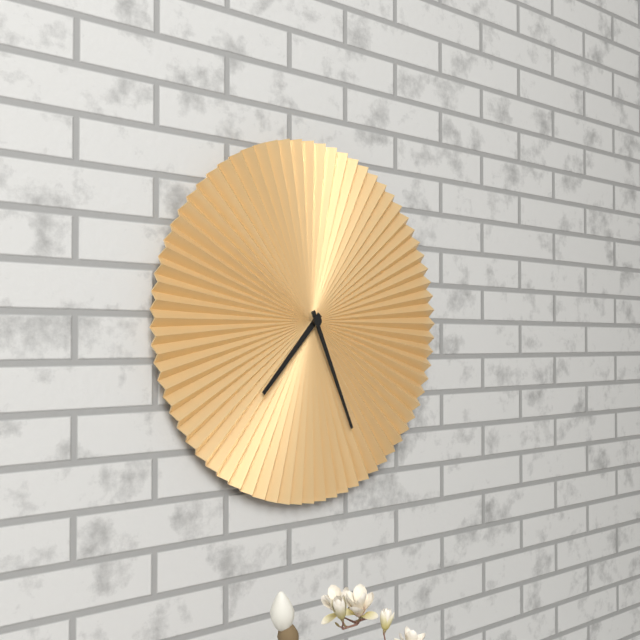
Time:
7.26
